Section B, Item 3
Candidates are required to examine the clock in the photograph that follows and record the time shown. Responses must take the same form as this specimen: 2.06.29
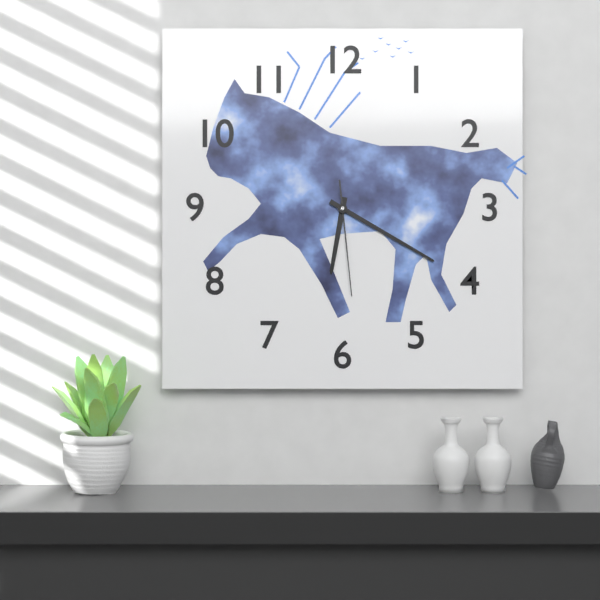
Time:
6.20.29
